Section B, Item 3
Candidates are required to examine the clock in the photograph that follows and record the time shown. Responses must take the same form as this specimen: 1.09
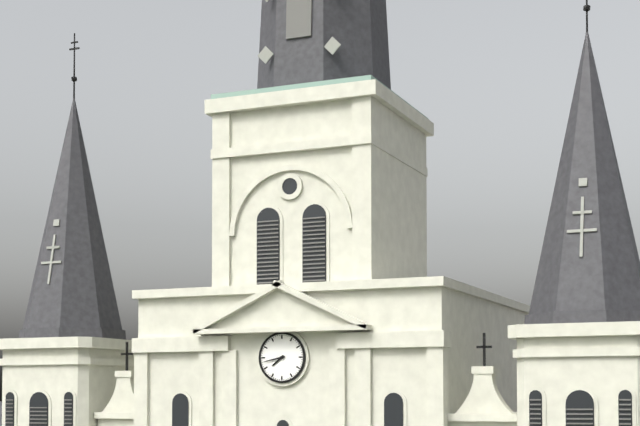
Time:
7.43
